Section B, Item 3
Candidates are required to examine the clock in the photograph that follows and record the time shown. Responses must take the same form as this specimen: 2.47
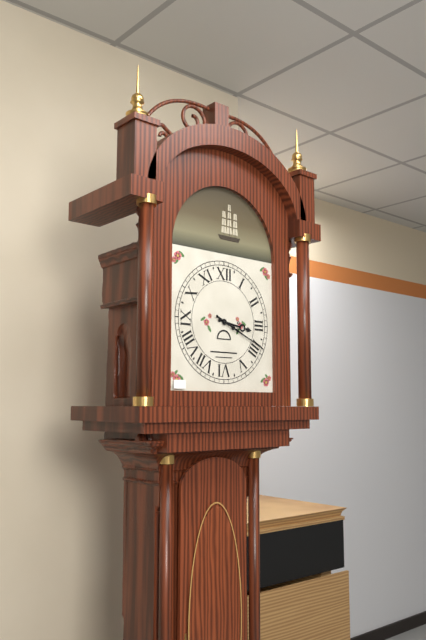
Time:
3.19
